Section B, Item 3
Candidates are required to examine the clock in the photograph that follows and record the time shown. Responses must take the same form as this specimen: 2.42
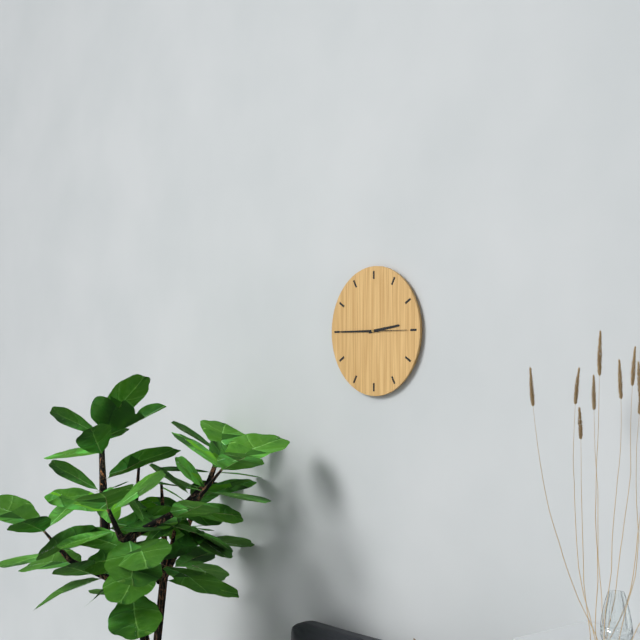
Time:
2.45
